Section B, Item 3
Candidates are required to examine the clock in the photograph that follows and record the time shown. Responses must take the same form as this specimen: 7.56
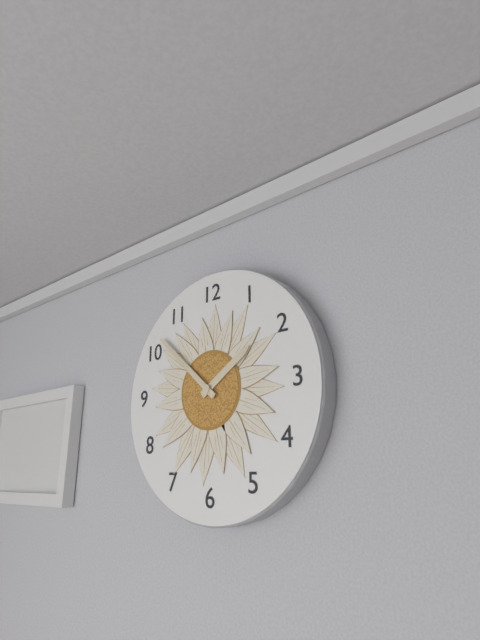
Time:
1.52
